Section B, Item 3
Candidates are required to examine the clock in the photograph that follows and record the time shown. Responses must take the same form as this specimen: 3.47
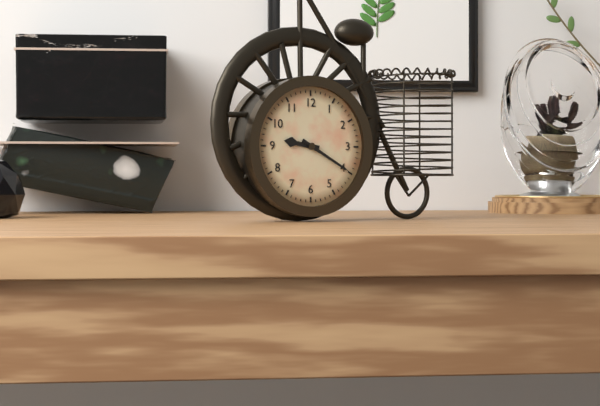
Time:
9.20
